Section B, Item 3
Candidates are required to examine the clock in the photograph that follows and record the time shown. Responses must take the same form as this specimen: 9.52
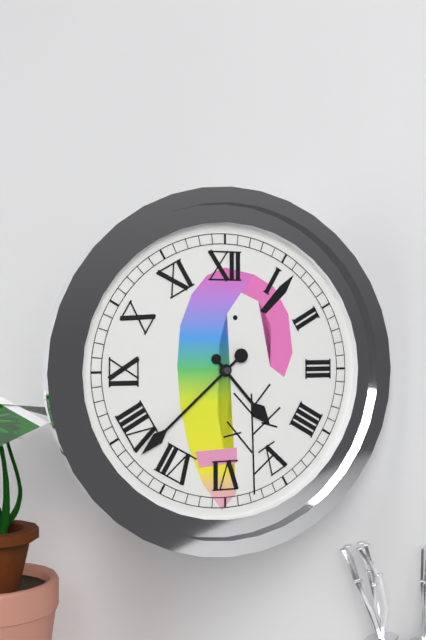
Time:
4.38
